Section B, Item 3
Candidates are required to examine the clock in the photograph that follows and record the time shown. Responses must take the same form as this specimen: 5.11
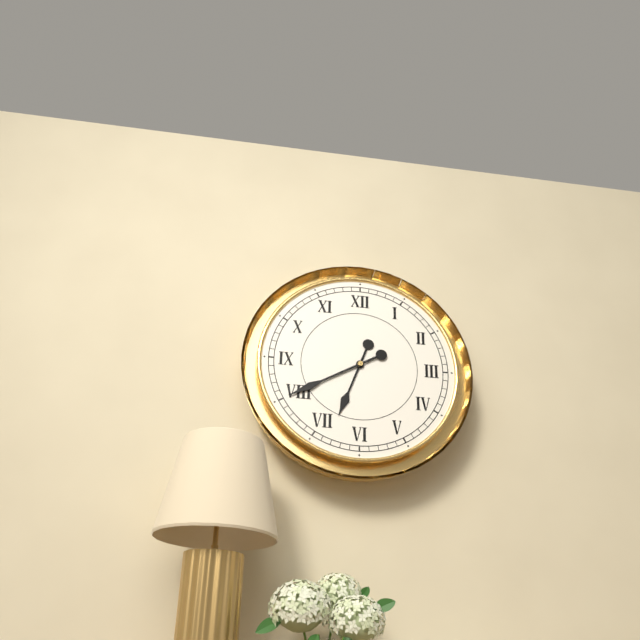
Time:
6.40
